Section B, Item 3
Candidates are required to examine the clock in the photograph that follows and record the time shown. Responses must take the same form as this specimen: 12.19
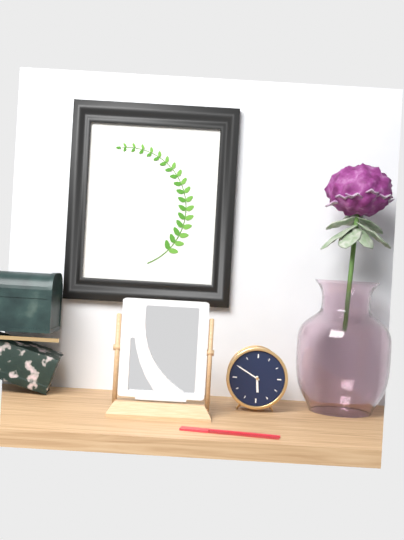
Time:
5.50
